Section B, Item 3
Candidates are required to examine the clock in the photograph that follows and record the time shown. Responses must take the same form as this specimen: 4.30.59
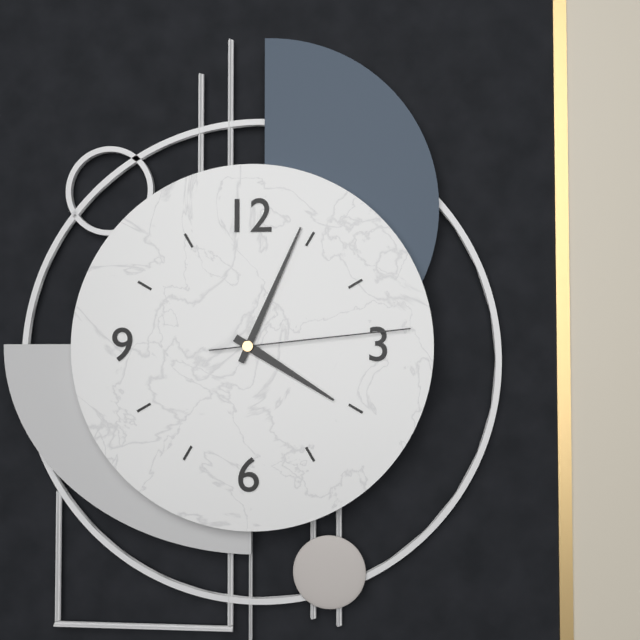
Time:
4.04.14
